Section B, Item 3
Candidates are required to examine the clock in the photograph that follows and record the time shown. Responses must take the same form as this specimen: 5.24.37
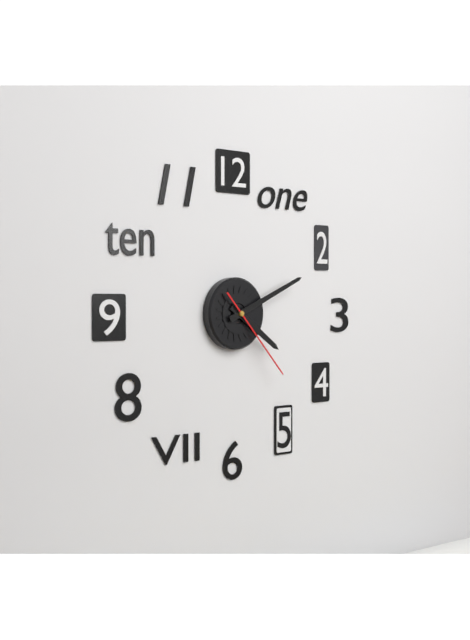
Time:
4.11.23
